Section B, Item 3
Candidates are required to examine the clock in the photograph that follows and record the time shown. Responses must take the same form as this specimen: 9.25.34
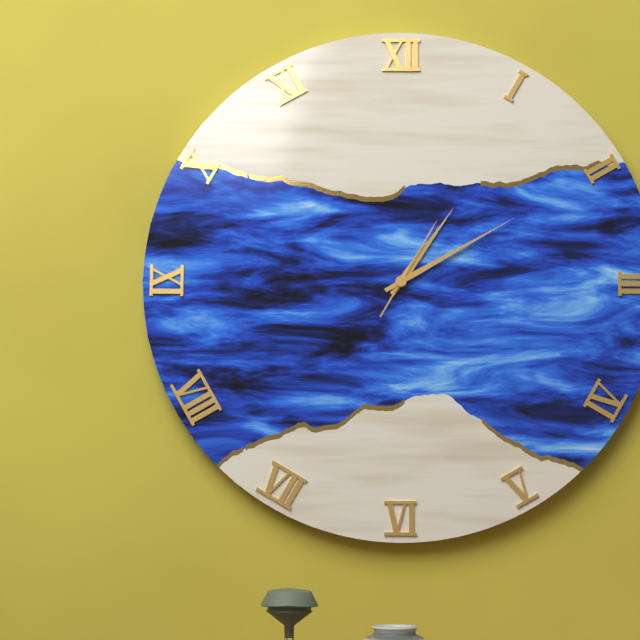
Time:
1.10.05
